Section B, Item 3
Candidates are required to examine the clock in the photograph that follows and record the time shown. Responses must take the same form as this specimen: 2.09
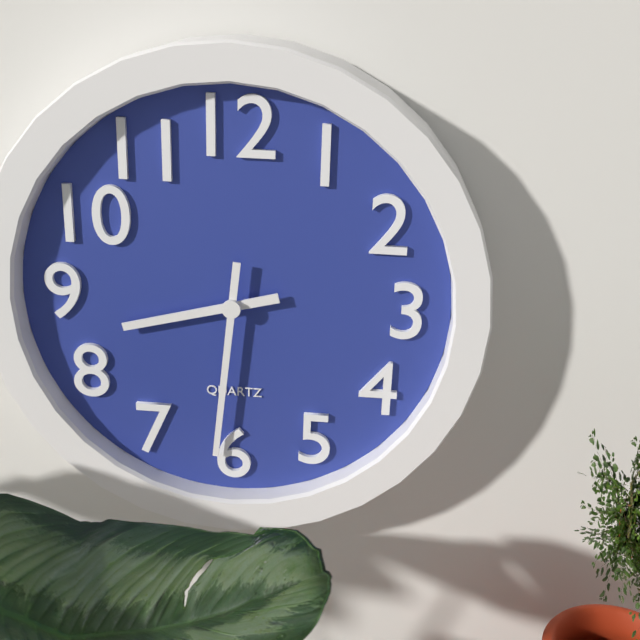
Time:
8.31
